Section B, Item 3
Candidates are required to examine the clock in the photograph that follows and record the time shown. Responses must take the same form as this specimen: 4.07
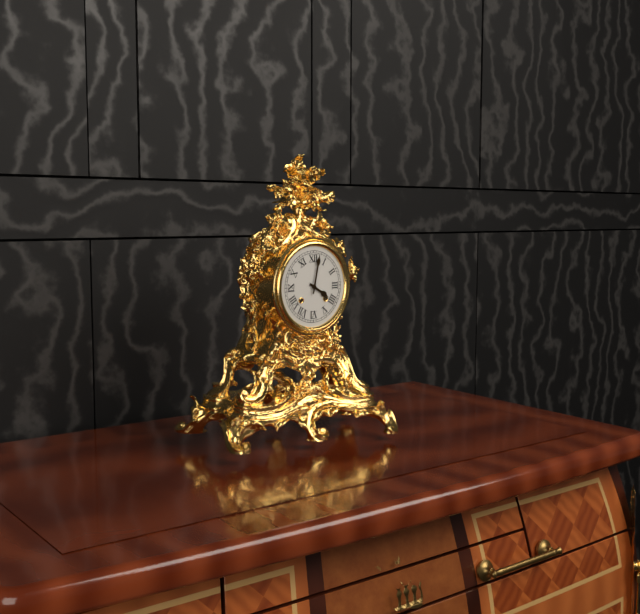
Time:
4.02
